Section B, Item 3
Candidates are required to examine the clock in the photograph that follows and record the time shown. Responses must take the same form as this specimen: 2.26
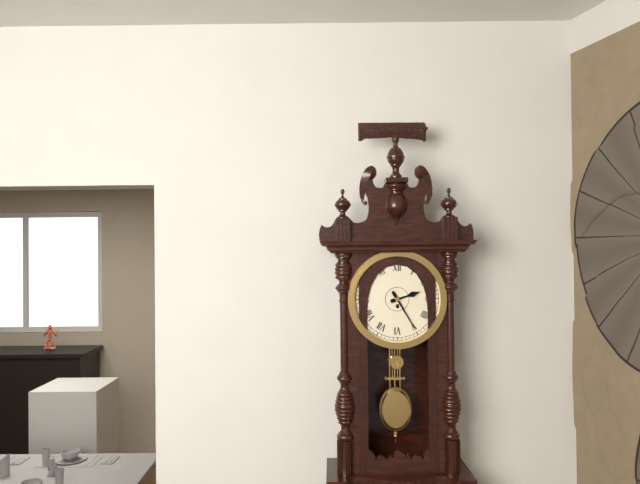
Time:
2.25
